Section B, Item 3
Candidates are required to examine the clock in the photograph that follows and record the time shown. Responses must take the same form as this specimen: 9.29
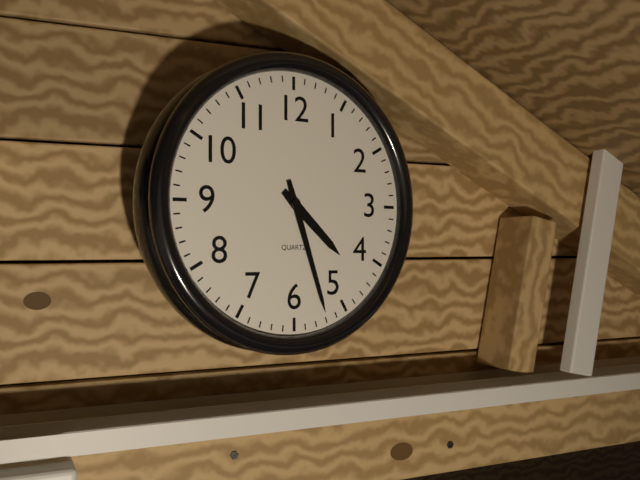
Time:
4.27
